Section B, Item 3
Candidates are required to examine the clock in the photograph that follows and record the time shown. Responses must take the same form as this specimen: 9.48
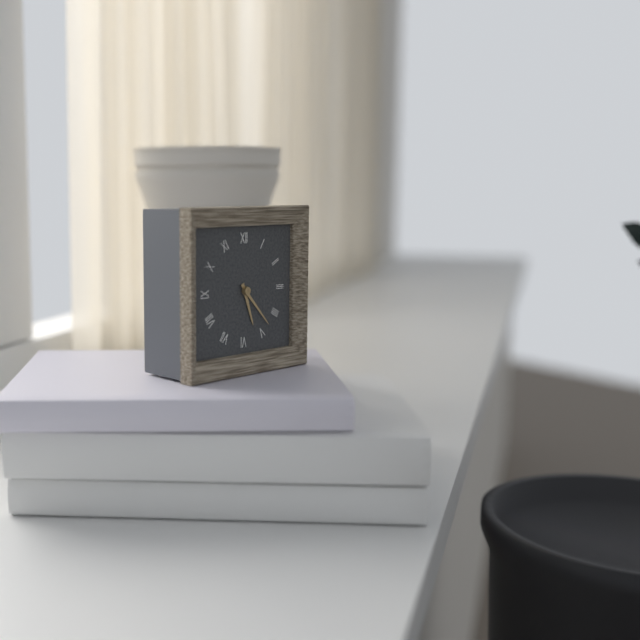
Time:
5.23
